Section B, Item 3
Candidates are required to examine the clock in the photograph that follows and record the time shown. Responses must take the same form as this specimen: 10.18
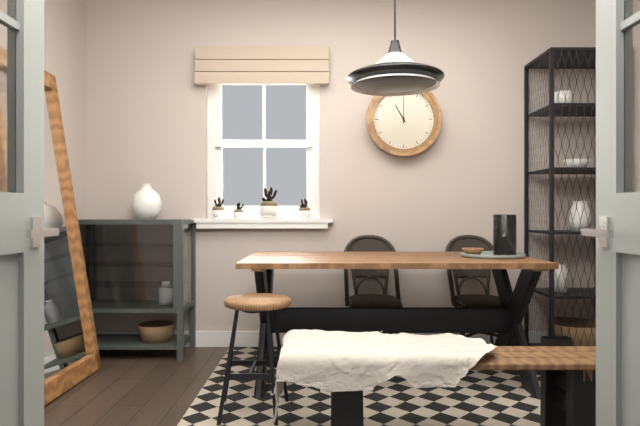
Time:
11.00
